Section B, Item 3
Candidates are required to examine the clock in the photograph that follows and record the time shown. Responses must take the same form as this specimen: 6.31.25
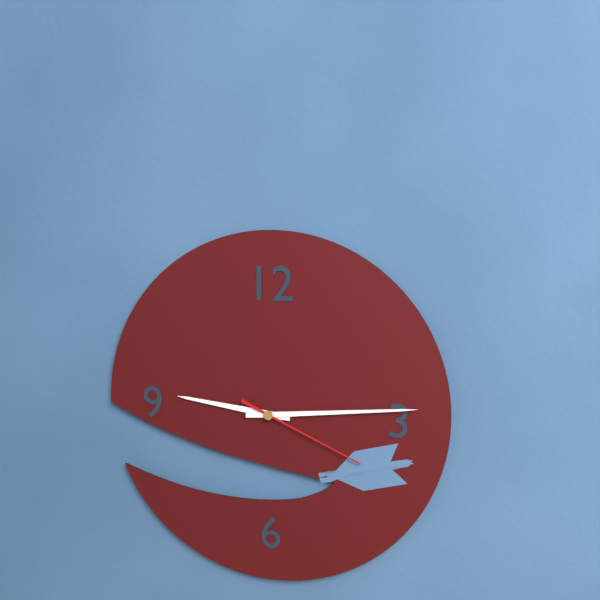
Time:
9.14.19
